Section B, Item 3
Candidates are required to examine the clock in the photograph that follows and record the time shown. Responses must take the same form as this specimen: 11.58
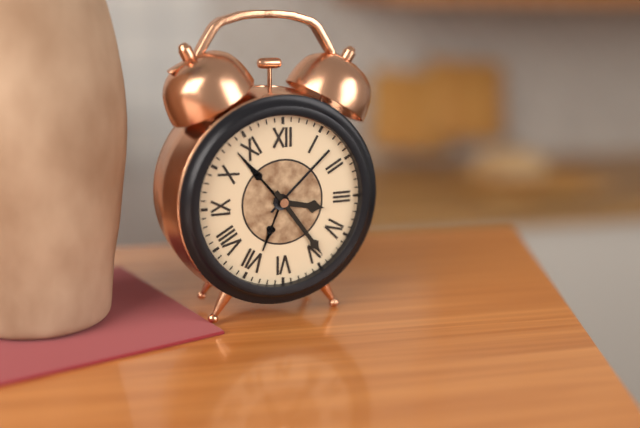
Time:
3.24
